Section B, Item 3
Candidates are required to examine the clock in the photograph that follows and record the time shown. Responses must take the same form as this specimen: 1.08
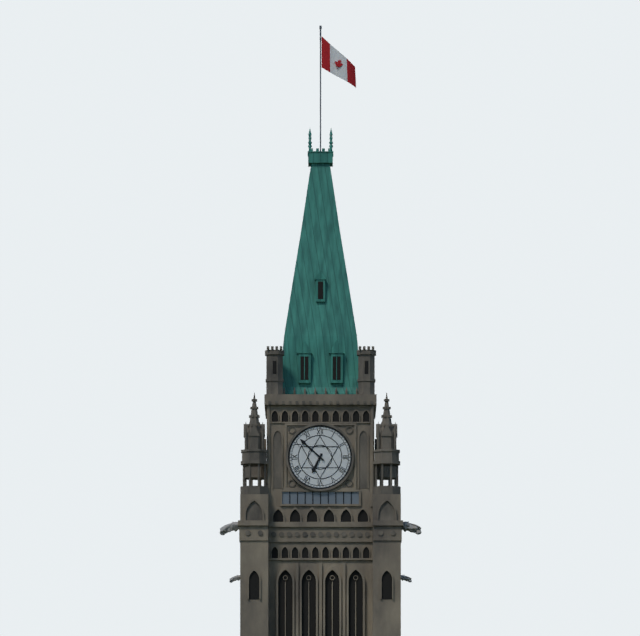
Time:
6.52
